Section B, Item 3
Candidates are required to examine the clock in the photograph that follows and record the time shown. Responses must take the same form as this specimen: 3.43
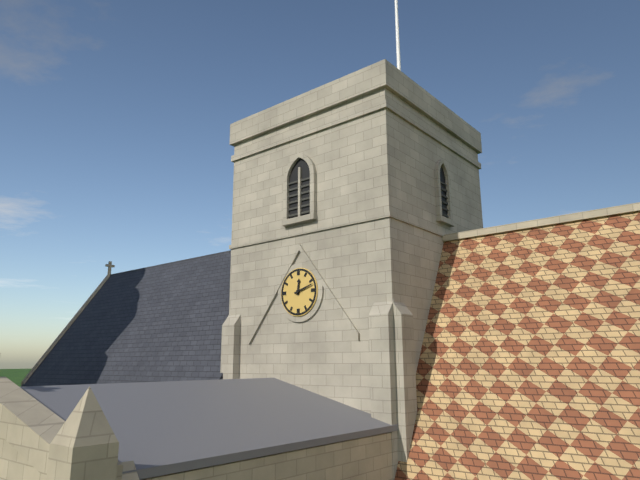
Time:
12.12
